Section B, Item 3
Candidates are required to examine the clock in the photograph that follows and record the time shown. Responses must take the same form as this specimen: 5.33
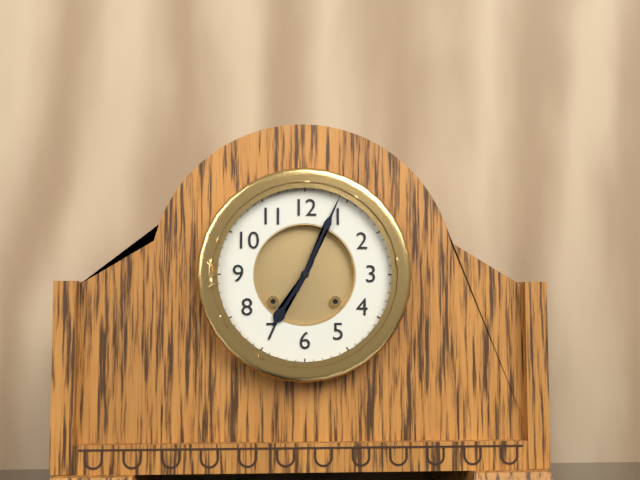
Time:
7.04
